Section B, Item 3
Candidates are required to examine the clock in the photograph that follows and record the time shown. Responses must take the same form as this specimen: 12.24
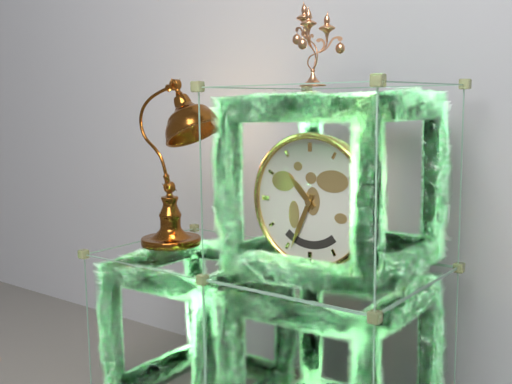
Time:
10.34
